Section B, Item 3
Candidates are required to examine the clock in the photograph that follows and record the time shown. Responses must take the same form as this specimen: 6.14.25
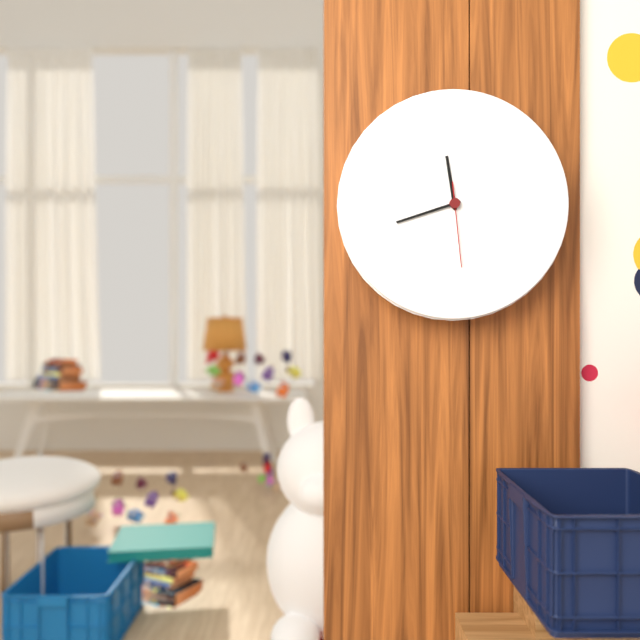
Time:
11.42.29
